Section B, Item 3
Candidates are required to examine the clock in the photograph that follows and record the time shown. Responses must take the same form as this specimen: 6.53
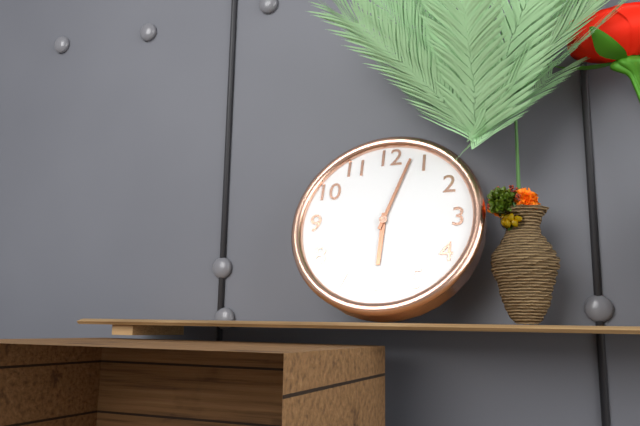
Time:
6.03
